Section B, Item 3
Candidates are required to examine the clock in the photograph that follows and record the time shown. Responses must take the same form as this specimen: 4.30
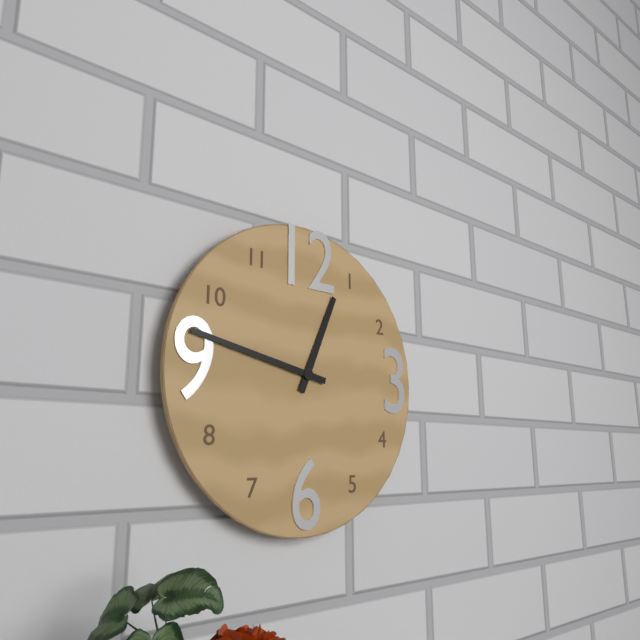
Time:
12.47
